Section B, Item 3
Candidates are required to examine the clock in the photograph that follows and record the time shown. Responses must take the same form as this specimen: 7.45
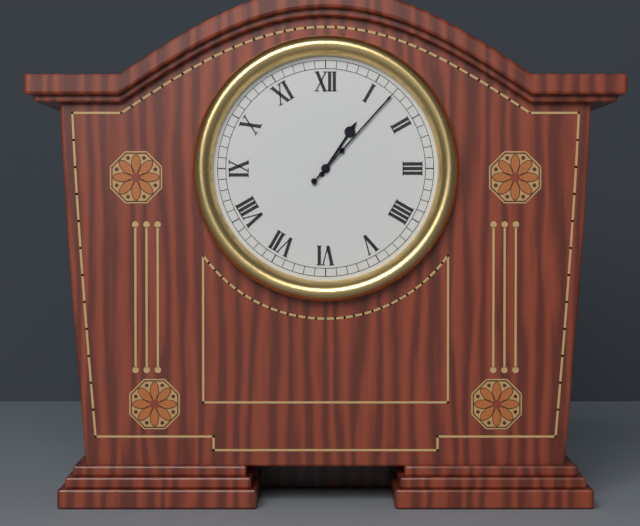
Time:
1.07
